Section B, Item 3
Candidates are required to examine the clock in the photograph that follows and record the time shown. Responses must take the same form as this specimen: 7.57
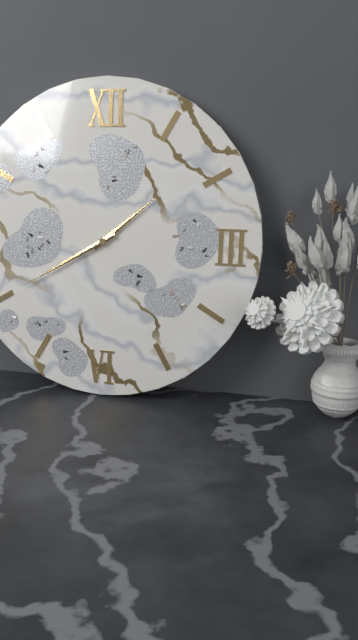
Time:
1.40
